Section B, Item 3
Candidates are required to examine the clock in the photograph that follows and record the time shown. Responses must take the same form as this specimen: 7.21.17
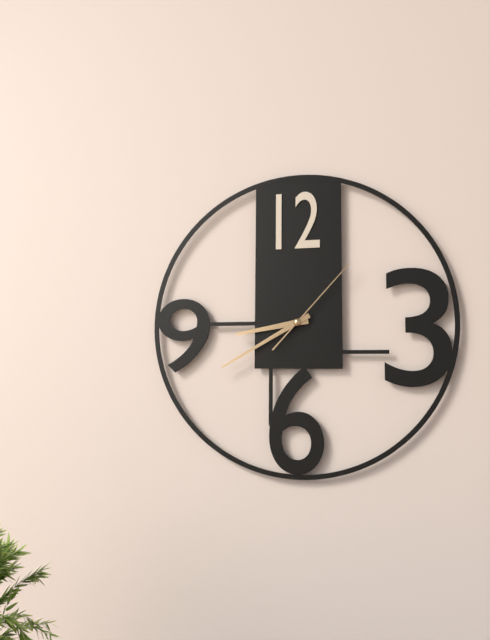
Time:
8.40.07
